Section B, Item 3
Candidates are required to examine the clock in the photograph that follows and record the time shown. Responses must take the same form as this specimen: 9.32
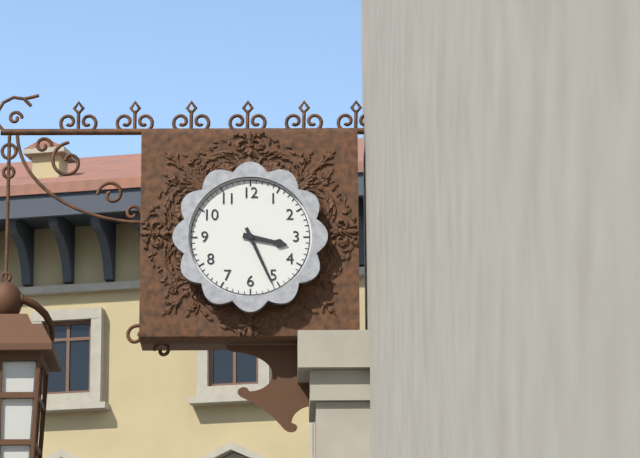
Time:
3.26
